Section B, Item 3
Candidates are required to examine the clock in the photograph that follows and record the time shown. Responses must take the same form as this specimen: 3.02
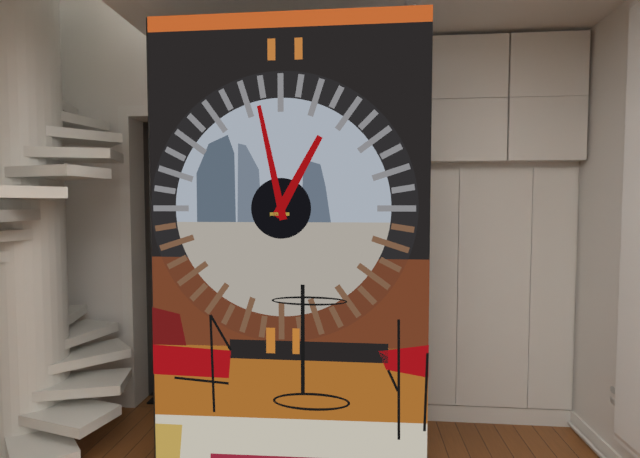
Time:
12.58
